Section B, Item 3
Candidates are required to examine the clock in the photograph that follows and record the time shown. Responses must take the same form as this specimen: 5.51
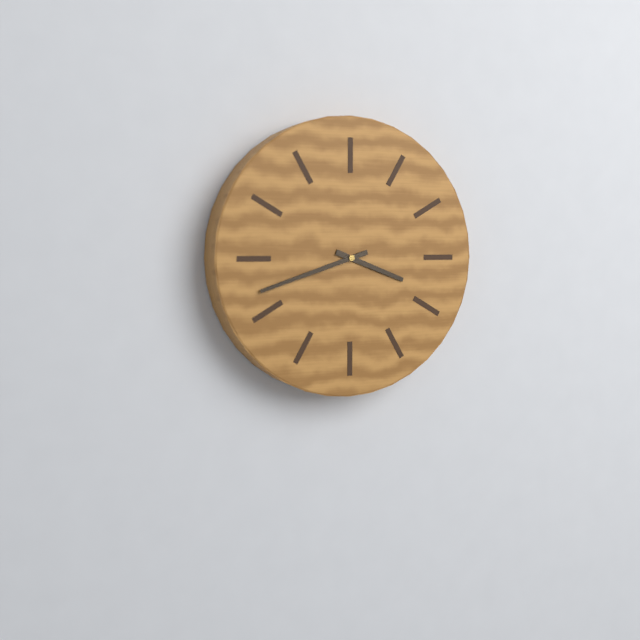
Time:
3.42
